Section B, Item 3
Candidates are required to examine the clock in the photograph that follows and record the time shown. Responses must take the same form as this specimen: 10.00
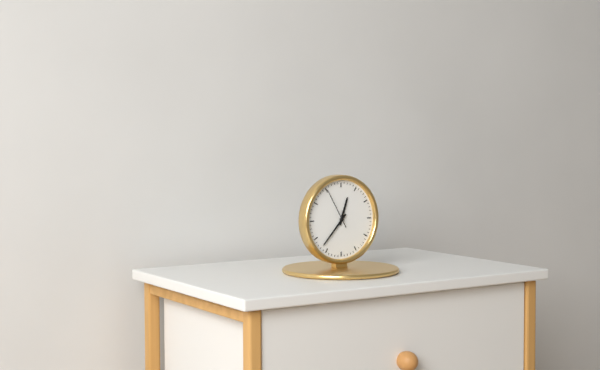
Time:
12.37
